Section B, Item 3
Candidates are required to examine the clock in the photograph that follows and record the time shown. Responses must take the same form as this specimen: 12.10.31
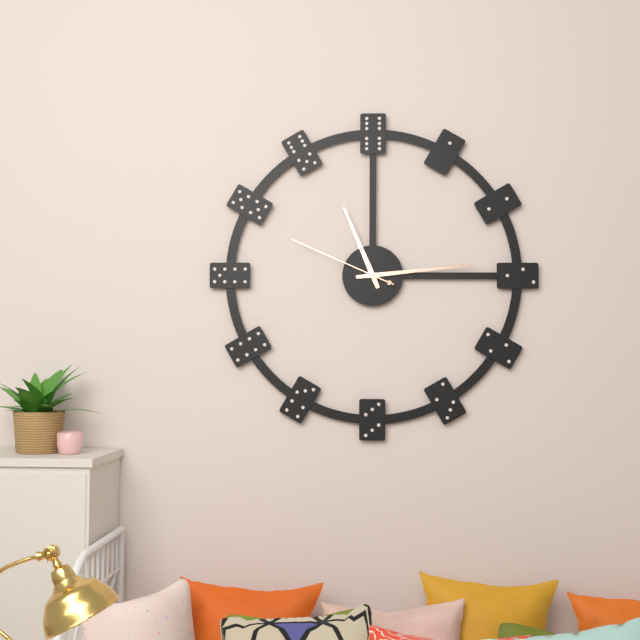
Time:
11.14.49
